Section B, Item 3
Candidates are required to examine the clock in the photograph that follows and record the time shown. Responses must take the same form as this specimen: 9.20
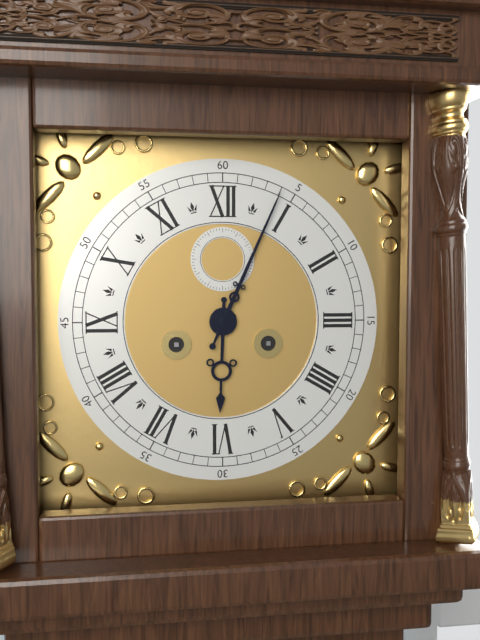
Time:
6.04
